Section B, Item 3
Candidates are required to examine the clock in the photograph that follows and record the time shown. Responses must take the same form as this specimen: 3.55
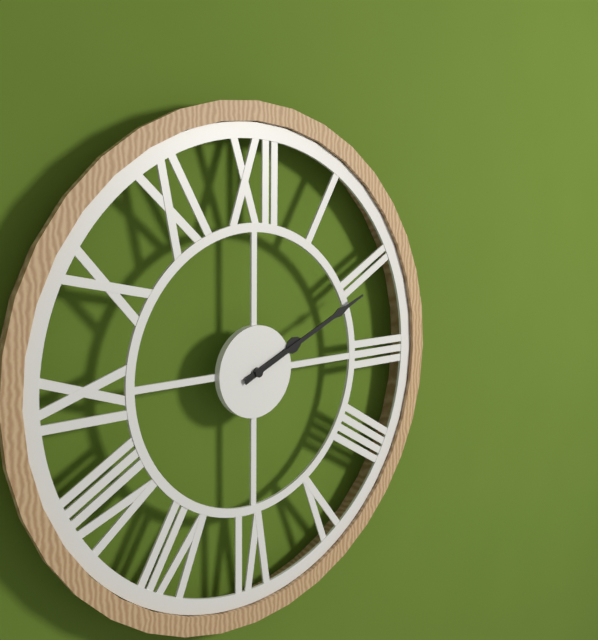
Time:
2.11
